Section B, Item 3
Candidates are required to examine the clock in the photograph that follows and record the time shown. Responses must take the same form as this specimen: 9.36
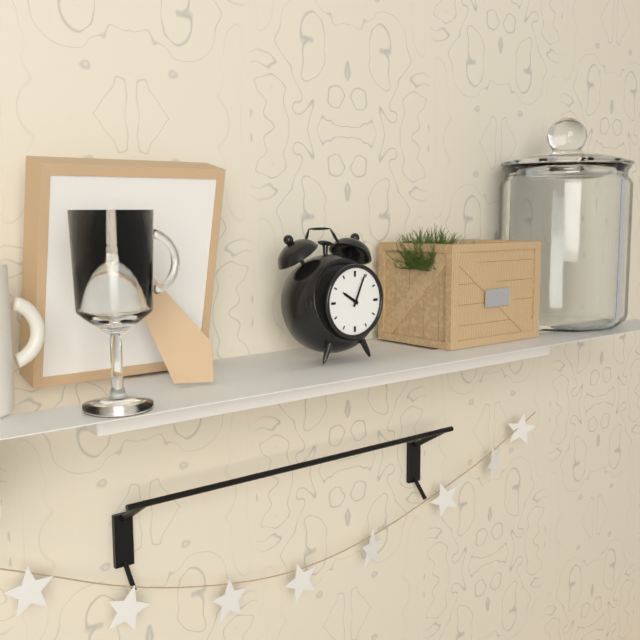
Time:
10.04
